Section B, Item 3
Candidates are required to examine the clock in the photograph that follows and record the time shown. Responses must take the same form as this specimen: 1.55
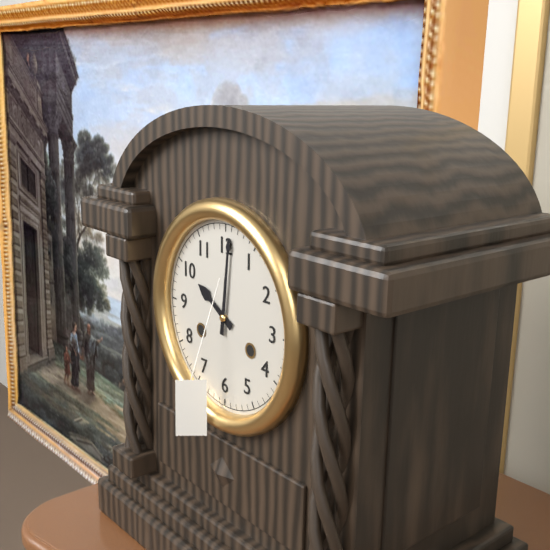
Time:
10.01
